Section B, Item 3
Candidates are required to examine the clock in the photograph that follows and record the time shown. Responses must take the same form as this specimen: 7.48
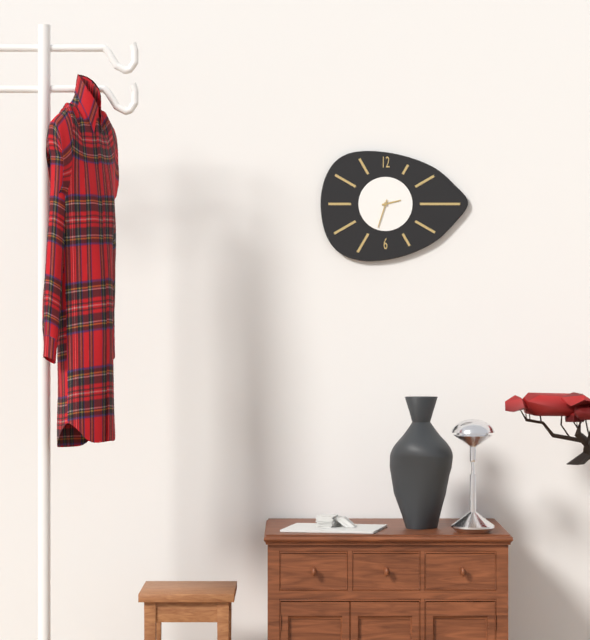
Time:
2.33
